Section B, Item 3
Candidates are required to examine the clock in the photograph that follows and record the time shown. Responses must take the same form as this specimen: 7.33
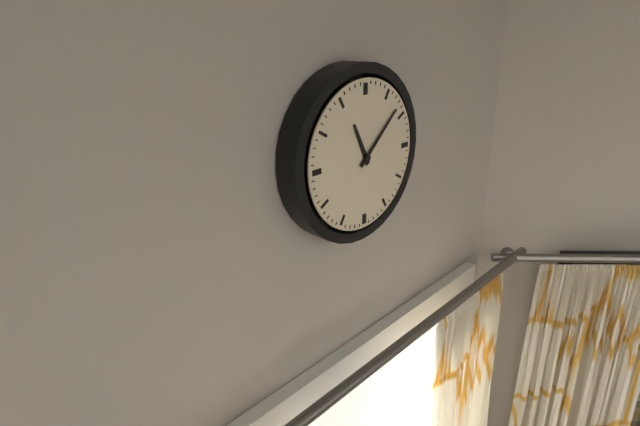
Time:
11.08
